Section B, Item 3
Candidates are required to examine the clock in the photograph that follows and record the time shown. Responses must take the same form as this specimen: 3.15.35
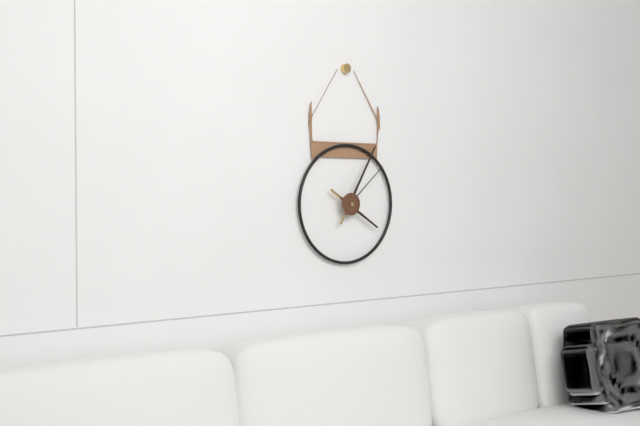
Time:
4.05.08
